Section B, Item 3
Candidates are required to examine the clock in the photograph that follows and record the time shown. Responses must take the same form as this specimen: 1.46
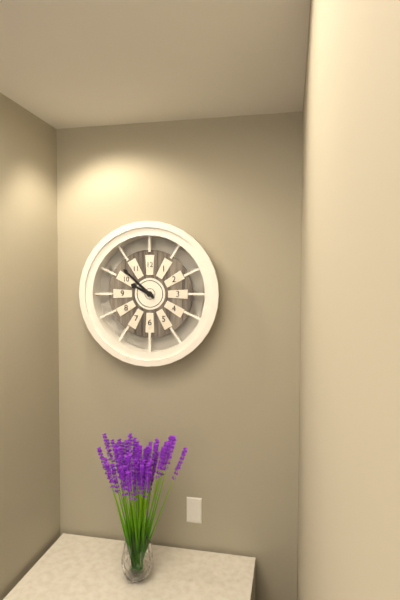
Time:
9.52
